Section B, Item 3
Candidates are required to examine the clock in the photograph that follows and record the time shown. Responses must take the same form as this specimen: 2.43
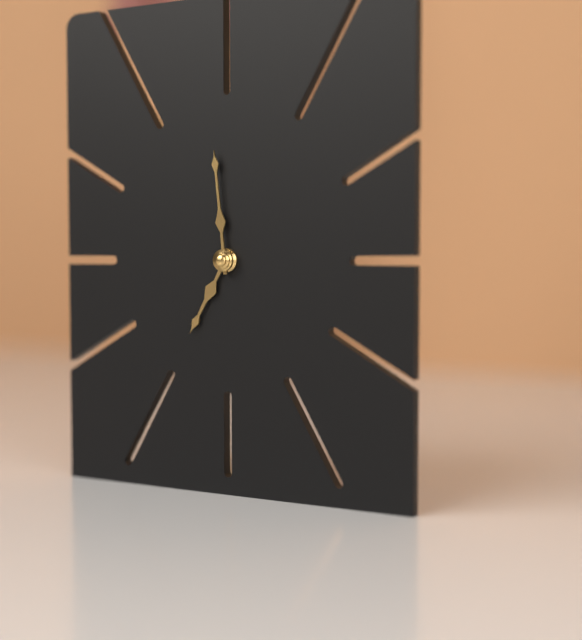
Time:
6.59
